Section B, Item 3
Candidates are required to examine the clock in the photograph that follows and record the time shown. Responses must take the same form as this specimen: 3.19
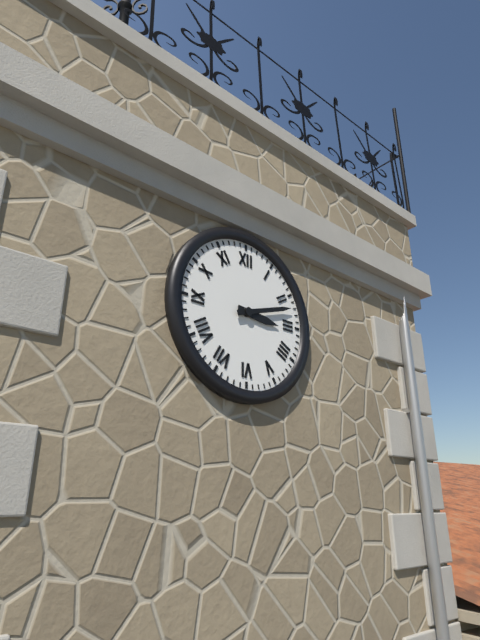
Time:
3.12
